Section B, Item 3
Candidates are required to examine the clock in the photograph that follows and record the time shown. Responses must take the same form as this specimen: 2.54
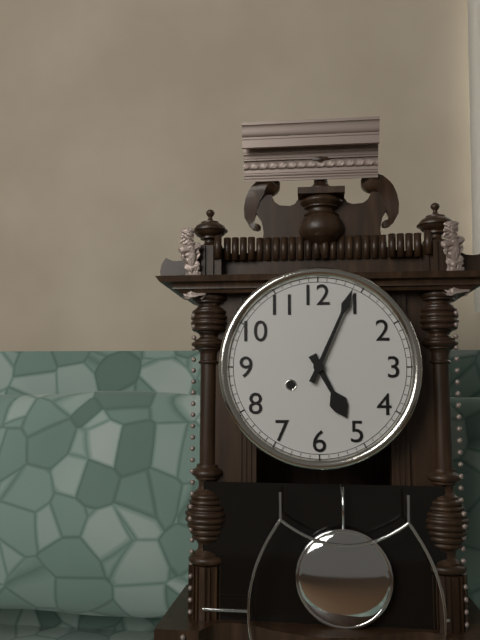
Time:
5.04
